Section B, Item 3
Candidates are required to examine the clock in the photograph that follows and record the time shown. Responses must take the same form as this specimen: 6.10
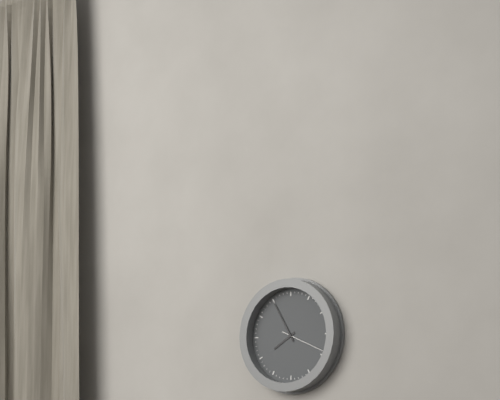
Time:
7.55
